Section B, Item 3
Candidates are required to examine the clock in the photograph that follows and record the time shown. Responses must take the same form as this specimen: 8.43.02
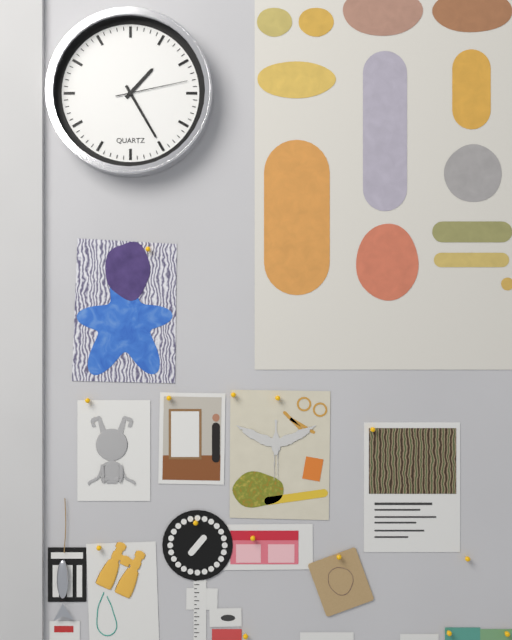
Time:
1.25.13
